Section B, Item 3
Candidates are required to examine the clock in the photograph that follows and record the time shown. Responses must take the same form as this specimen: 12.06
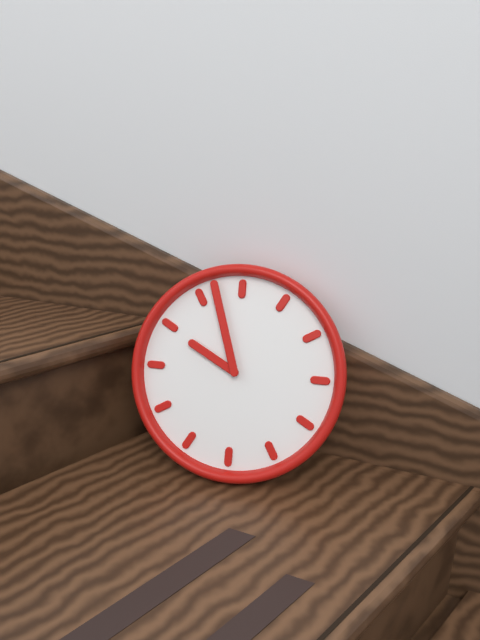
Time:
9.57
